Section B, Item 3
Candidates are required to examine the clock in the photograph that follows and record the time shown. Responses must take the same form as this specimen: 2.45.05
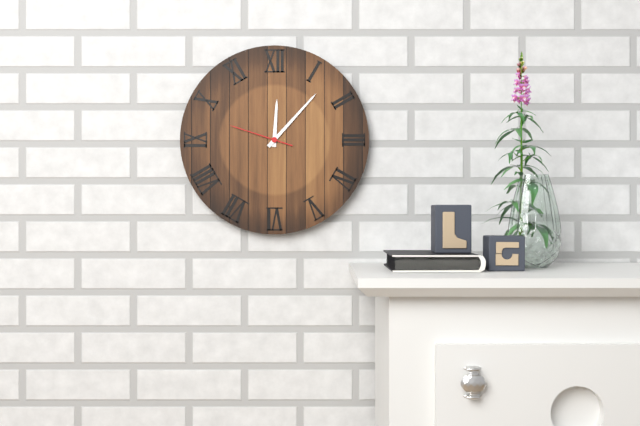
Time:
12.07.48
